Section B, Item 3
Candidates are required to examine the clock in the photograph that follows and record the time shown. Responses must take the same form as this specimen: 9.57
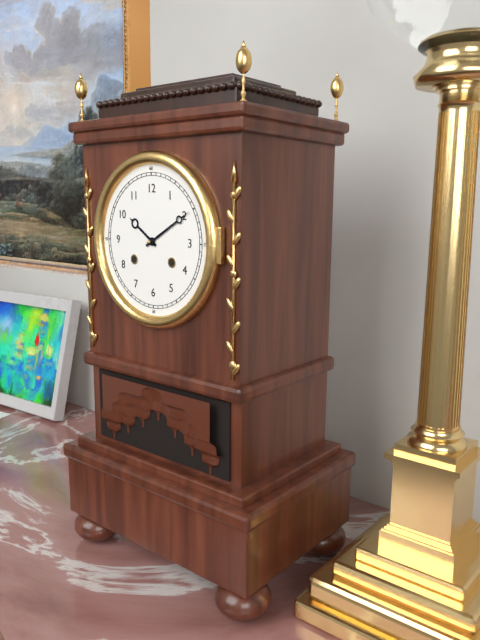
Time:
10.10
